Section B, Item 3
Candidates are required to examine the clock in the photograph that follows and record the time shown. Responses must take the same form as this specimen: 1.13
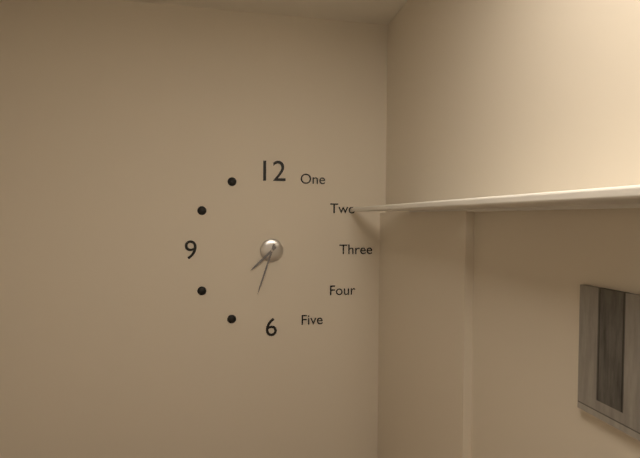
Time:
7.33
